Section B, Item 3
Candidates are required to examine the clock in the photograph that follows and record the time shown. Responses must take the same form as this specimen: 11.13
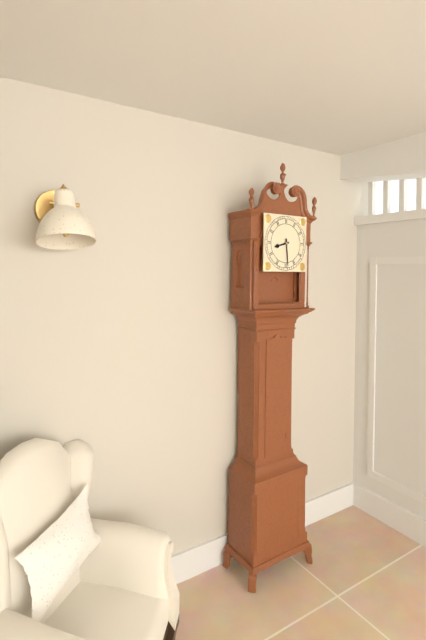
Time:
8.29
